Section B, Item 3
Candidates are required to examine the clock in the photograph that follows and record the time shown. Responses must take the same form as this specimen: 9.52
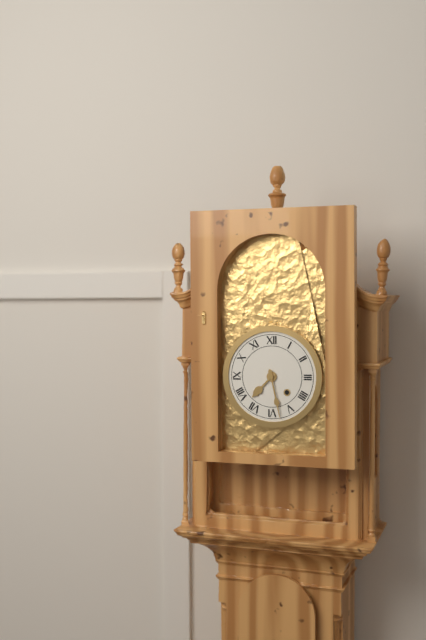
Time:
7.28
